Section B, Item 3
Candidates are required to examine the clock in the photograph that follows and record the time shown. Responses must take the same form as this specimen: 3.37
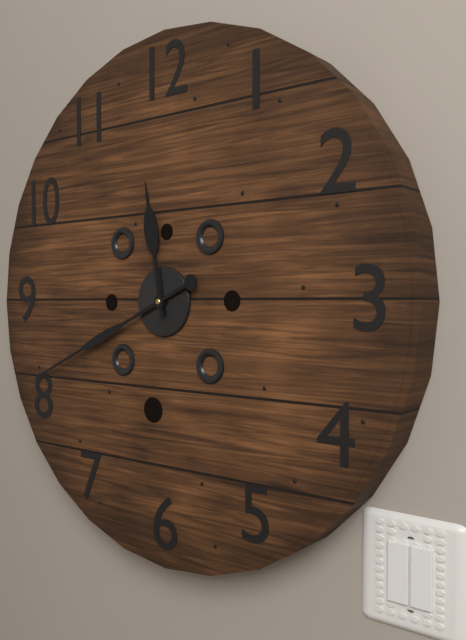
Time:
11.41
